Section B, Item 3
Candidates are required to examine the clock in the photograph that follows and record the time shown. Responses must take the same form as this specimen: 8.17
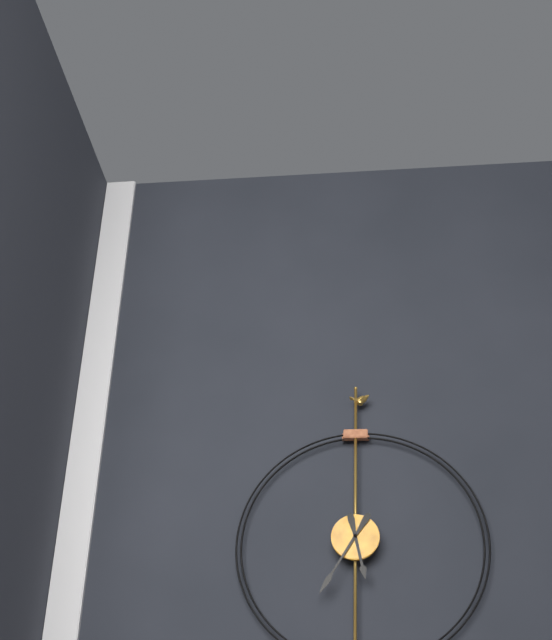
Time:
5.35
